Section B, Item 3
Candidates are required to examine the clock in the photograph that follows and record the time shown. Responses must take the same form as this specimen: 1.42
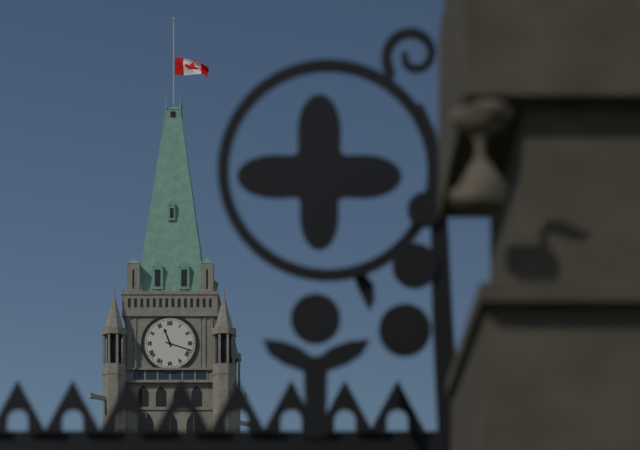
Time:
11.18
